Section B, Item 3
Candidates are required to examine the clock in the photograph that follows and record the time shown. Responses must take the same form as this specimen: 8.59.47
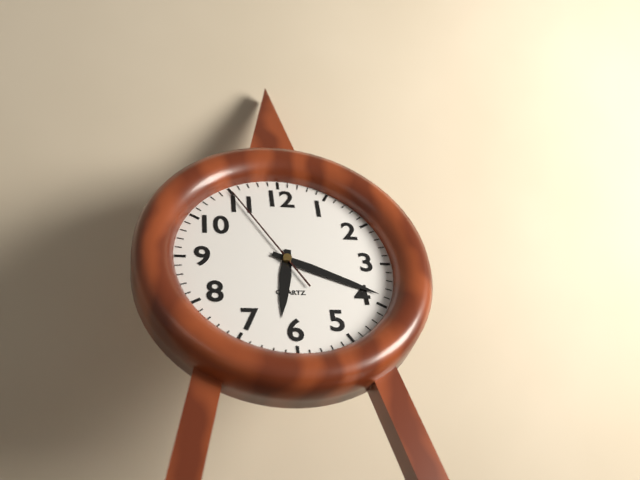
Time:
6.19.55
